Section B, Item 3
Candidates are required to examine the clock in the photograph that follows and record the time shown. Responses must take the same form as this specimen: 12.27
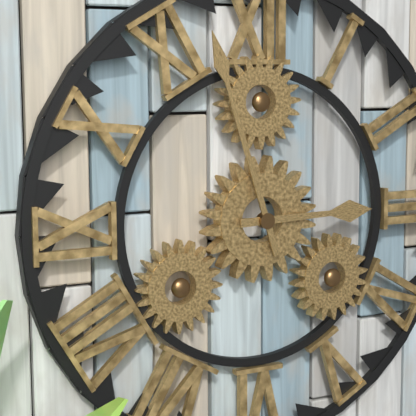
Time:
2.57
